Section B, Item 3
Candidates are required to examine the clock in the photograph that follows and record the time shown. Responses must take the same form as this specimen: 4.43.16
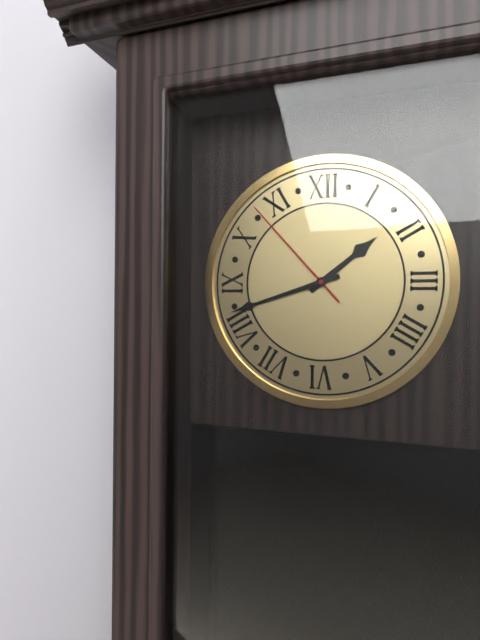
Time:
1.42.53
